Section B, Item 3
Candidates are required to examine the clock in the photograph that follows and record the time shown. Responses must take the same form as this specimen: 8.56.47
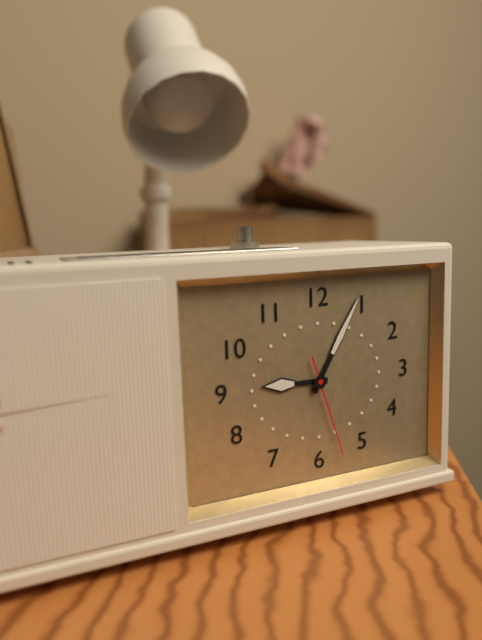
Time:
9.05.27
